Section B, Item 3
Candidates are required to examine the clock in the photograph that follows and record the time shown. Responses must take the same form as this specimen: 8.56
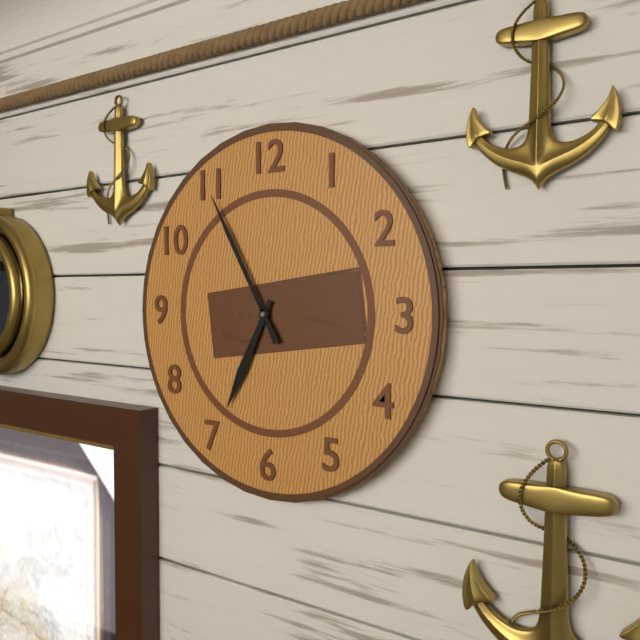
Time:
6.55
